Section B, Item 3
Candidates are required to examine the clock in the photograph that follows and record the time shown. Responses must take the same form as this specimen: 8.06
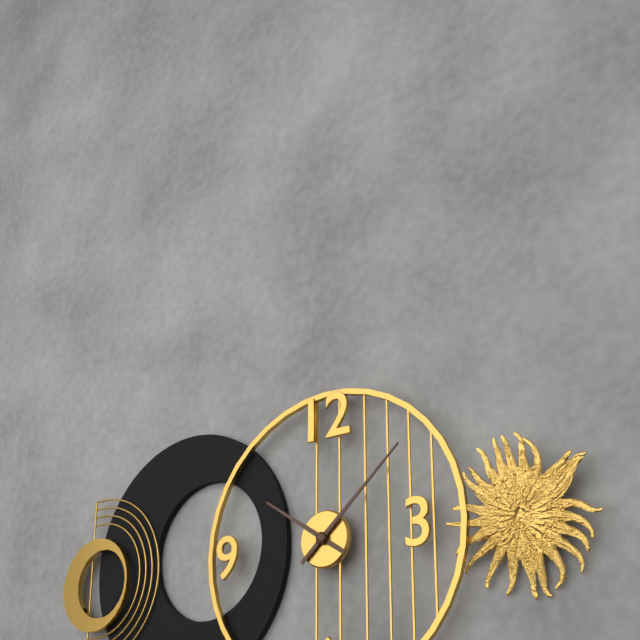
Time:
10.08
